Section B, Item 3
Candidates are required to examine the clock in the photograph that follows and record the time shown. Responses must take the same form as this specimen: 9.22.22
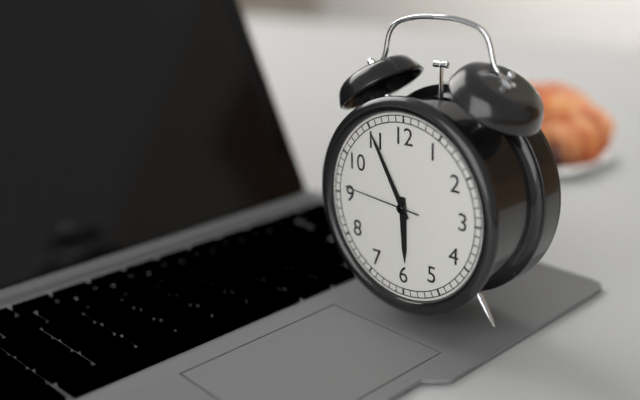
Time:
5.55.46
